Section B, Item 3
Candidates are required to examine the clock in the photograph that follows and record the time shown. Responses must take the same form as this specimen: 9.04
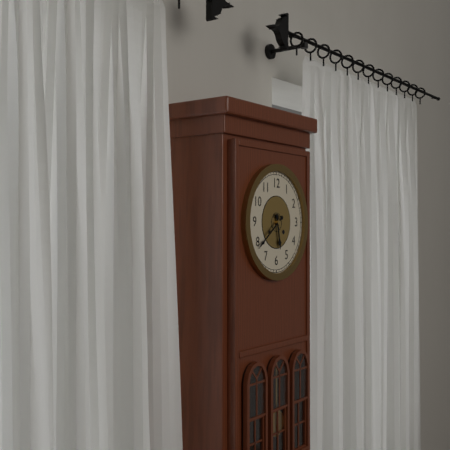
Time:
5.39
